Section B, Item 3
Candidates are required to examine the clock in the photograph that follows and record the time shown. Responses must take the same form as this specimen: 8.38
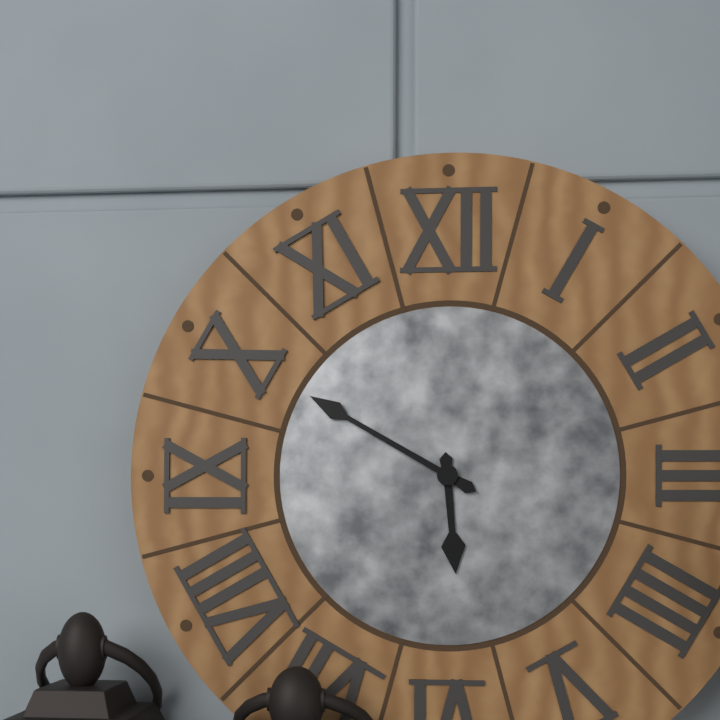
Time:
5.50
